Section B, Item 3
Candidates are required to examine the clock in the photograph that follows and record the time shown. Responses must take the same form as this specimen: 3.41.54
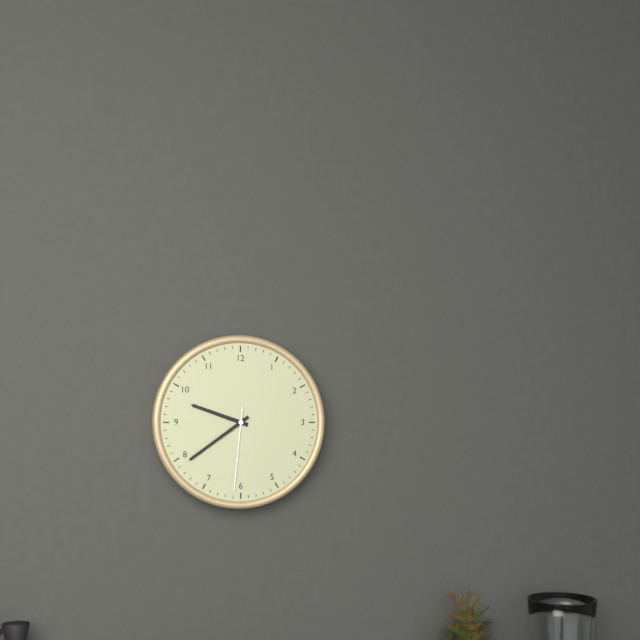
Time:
9.39.31
